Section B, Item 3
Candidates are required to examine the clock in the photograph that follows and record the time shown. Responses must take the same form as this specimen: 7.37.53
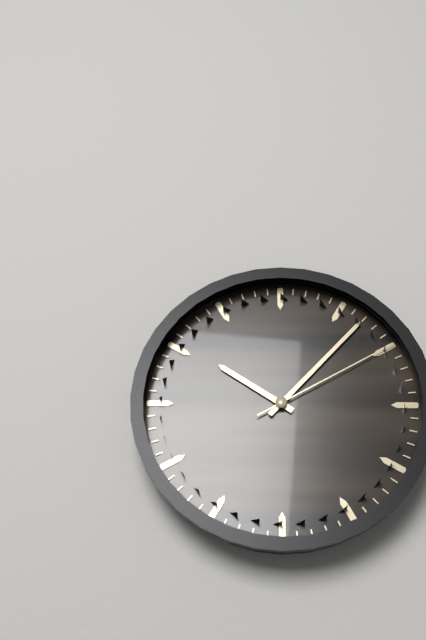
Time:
10.07.10
